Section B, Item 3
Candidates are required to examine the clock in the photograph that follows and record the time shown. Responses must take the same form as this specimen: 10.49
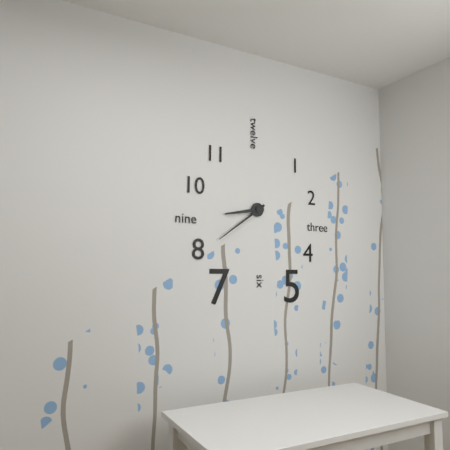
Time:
8.39
